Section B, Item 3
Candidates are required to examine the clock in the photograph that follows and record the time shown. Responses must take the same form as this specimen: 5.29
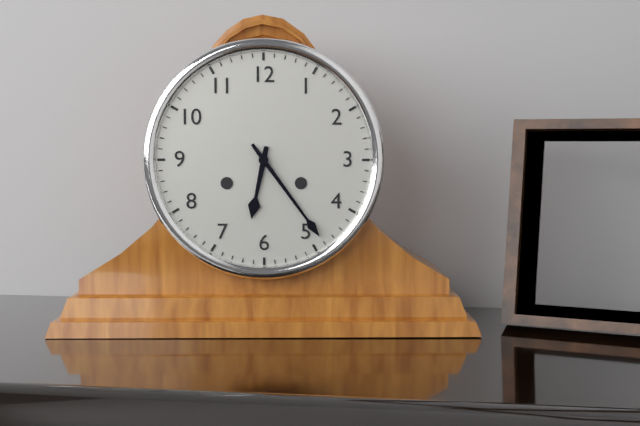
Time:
6.24
